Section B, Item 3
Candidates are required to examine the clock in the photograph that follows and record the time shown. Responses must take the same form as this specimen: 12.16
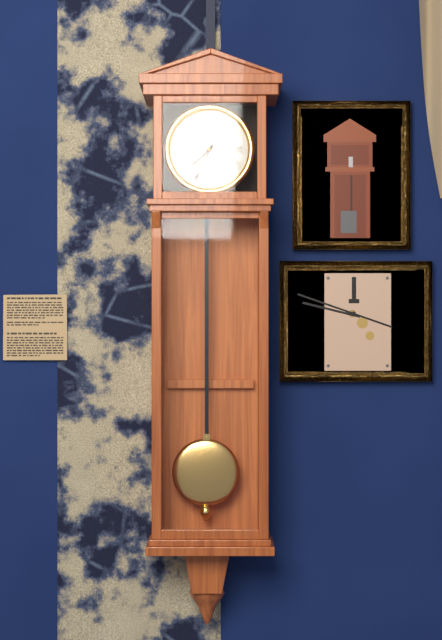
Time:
7.34
